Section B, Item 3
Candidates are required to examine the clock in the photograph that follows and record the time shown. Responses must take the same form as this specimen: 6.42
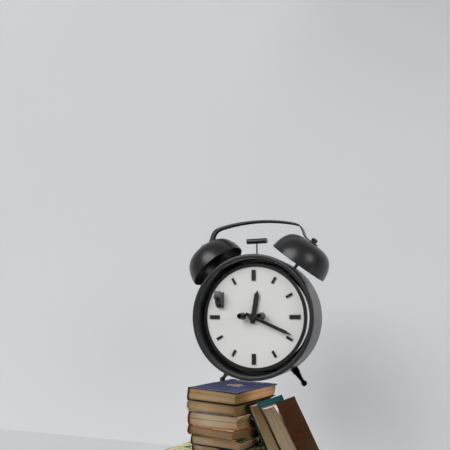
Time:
12.19
